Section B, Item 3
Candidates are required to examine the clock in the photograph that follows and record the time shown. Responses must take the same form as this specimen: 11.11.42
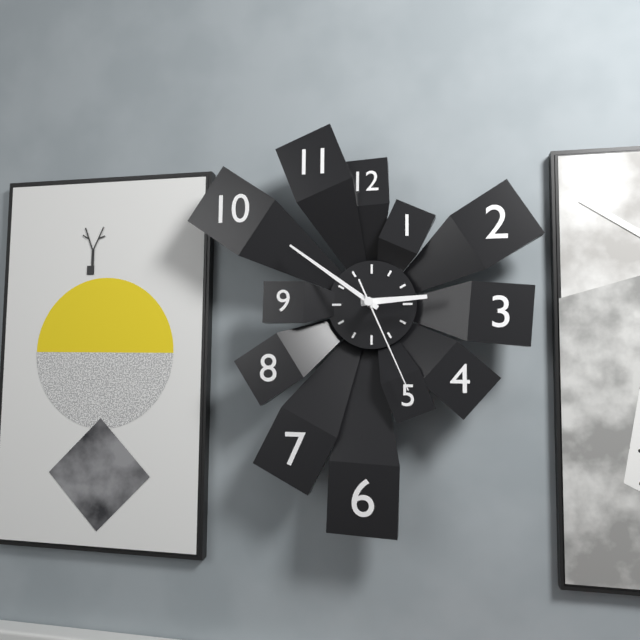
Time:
2.51.26
